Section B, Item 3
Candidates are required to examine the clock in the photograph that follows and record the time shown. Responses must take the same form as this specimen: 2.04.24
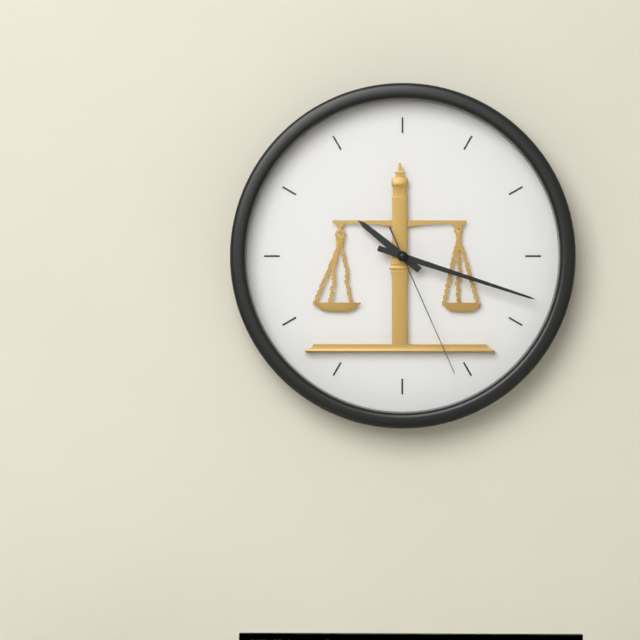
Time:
10.18.26
